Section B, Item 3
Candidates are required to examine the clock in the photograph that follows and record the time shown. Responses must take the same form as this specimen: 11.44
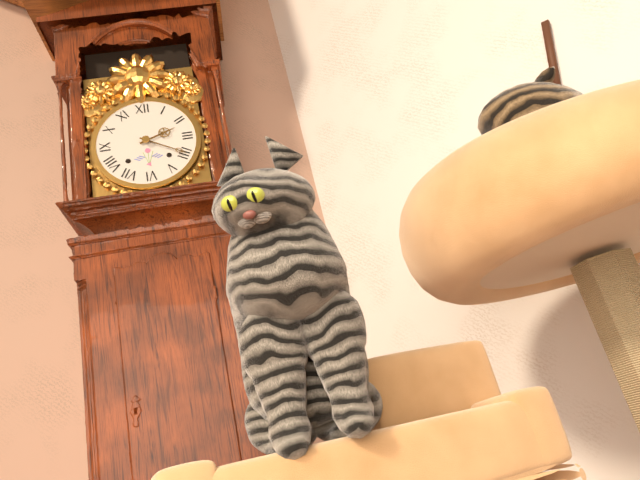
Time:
2.20
